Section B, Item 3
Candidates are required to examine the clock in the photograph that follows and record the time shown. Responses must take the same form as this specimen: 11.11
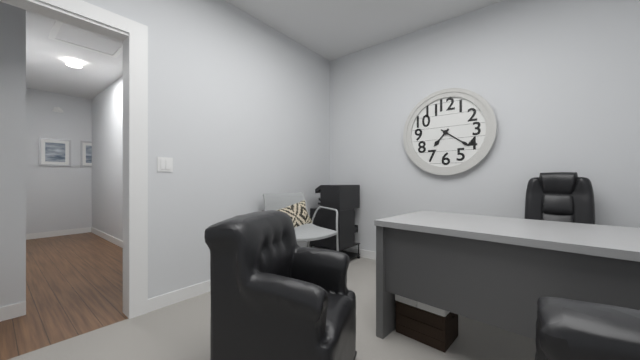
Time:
7.21
